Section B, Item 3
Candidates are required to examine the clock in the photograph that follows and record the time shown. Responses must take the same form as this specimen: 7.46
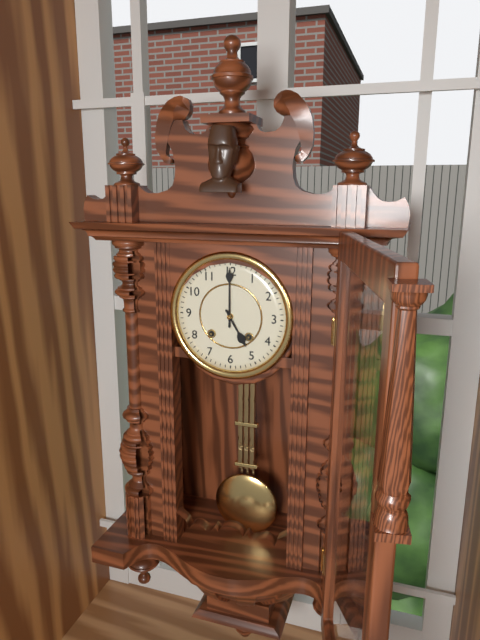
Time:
5.00
